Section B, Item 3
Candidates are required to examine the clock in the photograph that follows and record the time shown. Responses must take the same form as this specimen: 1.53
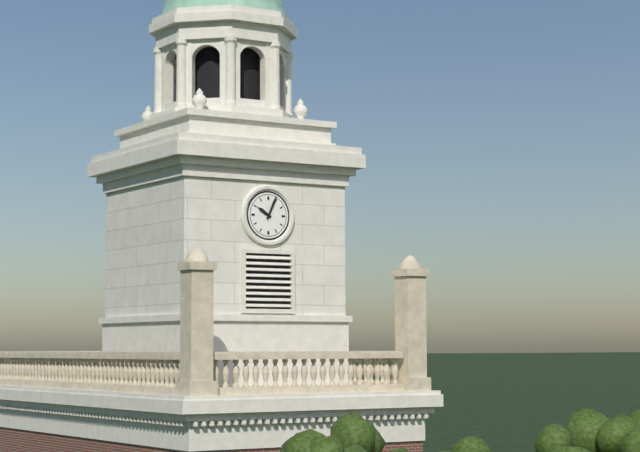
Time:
10.04
